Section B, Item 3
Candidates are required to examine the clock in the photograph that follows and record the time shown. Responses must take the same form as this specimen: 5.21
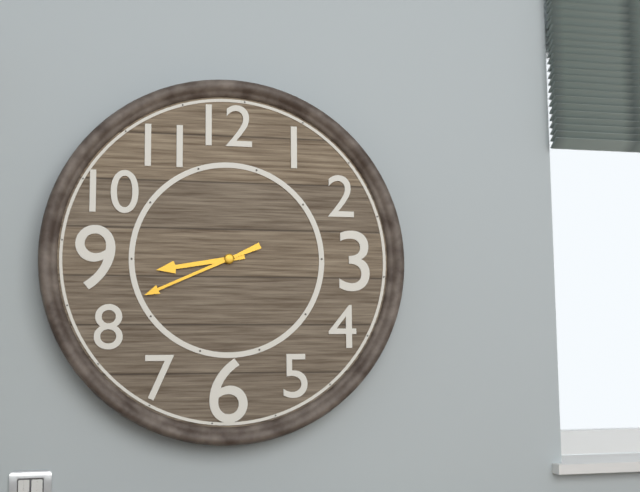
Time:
8.41
